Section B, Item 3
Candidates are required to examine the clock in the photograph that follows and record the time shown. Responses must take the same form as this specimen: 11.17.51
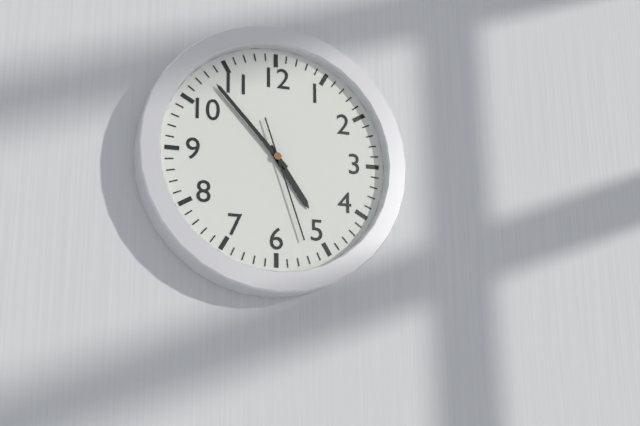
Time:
4.53.27
